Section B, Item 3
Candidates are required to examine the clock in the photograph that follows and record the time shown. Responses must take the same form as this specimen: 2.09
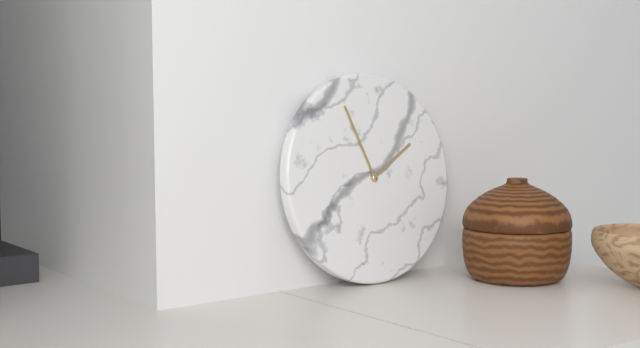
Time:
1.56
